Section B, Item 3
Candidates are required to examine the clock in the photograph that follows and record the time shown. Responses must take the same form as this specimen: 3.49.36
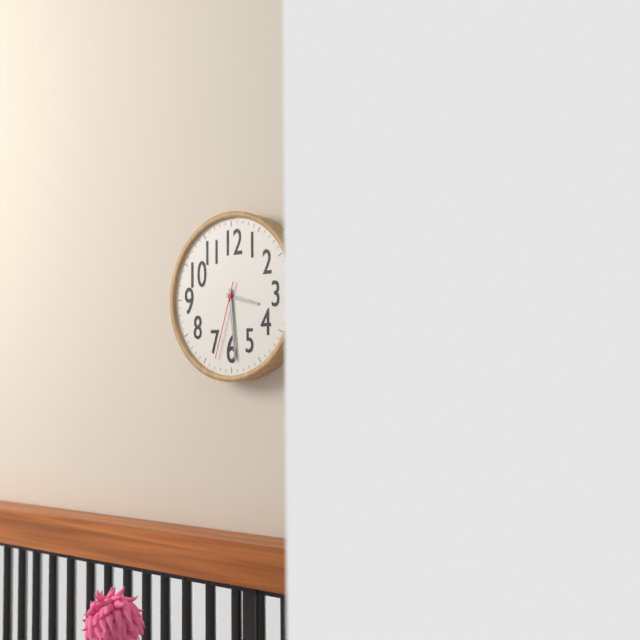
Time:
3.29.33
